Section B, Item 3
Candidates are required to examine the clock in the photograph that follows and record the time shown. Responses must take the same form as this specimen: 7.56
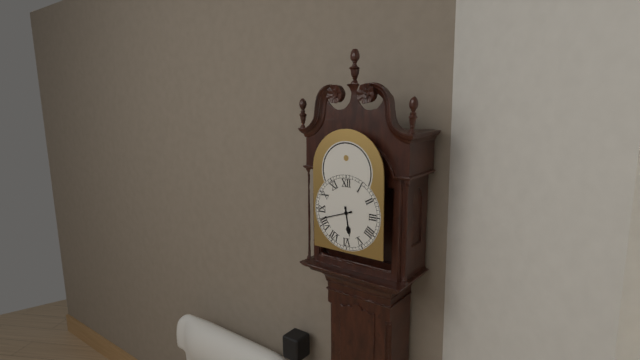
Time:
5.42
